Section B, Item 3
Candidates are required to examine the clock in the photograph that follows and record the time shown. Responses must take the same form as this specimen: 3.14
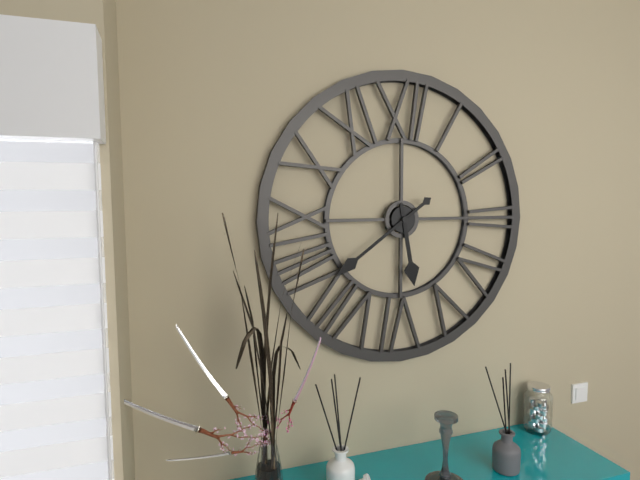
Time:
5.39
